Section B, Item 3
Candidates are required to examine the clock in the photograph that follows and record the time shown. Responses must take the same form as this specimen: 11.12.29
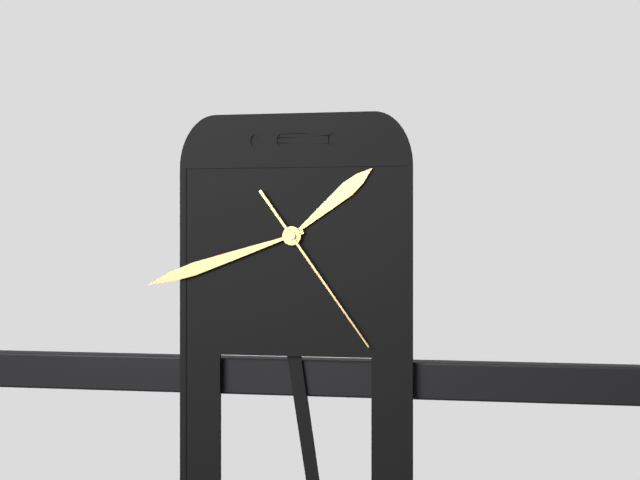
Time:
1.42.24
